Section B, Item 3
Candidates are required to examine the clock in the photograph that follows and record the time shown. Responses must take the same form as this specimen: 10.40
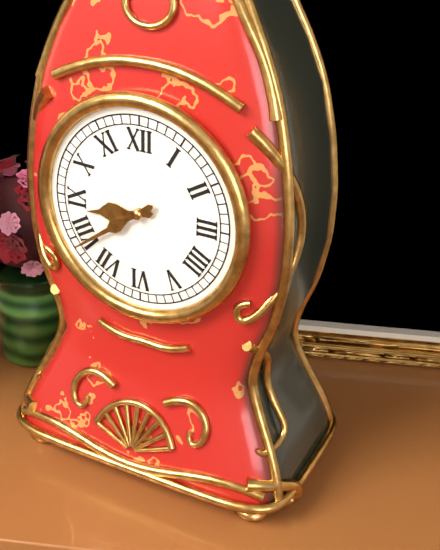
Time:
8.39
